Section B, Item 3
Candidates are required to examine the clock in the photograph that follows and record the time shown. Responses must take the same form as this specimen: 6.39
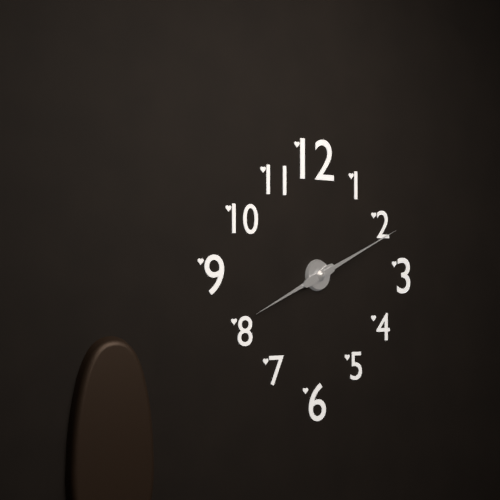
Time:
8.11
